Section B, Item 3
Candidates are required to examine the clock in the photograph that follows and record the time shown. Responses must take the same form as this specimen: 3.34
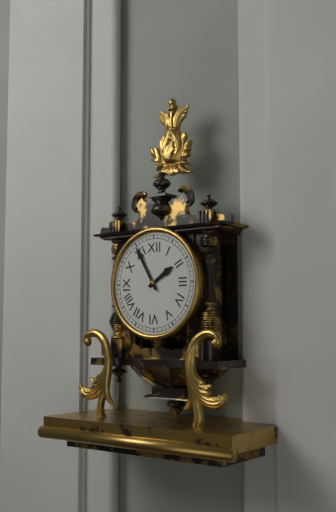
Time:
1.55
